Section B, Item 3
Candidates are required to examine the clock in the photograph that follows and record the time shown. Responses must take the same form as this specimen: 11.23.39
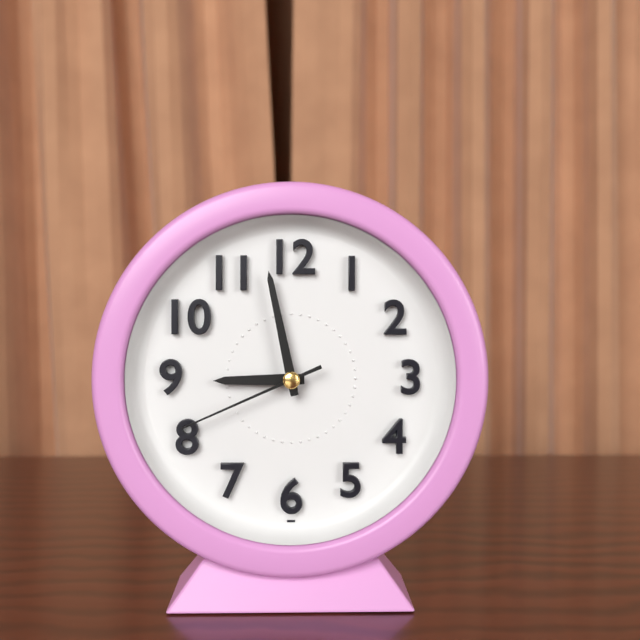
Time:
8.58.41
